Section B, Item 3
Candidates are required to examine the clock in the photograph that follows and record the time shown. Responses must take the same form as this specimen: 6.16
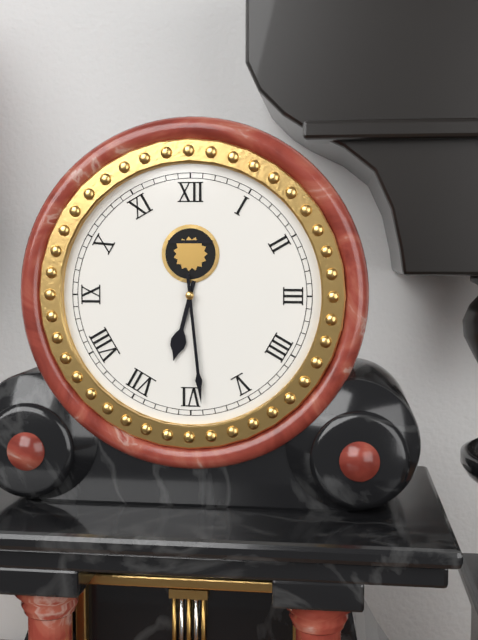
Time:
6.29
